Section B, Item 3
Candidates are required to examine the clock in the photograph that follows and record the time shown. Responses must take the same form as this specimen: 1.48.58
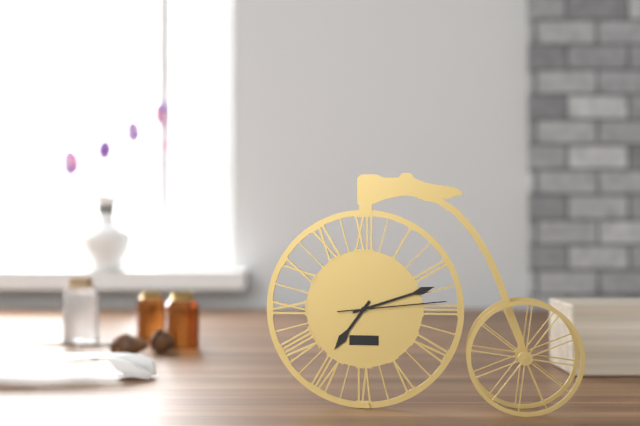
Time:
7.12.14
